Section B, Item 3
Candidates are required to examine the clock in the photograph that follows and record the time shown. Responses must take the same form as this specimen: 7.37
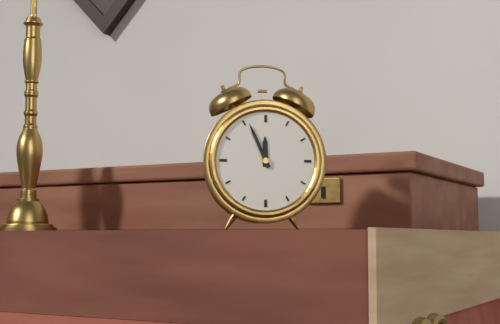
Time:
11.56
